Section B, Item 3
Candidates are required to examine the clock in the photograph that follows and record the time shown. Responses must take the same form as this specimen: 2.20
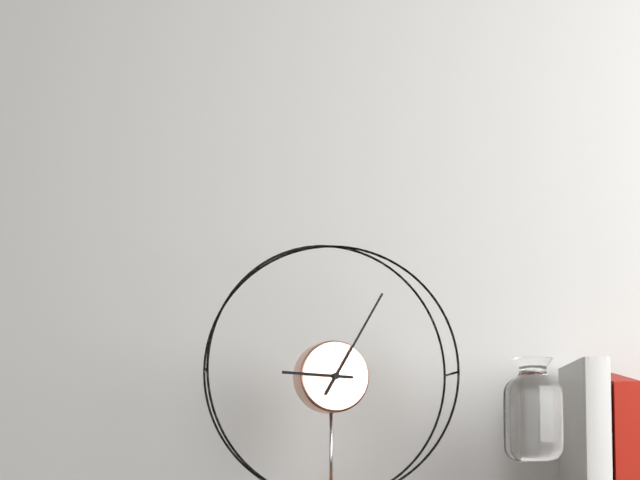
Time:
9.05
